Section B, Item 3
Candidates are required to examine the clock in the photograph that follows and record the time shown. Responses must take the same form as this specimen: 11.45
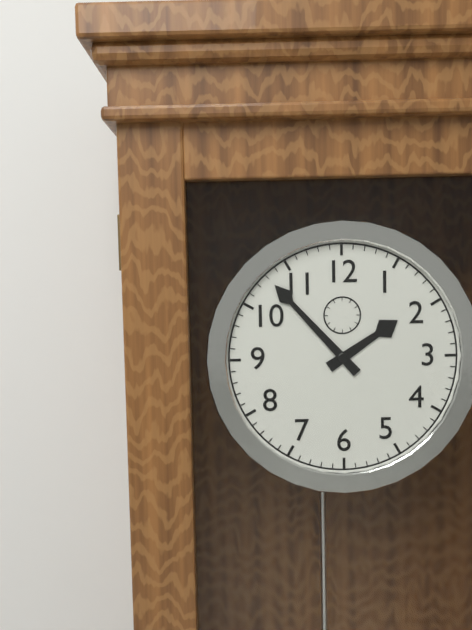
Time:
1.53
